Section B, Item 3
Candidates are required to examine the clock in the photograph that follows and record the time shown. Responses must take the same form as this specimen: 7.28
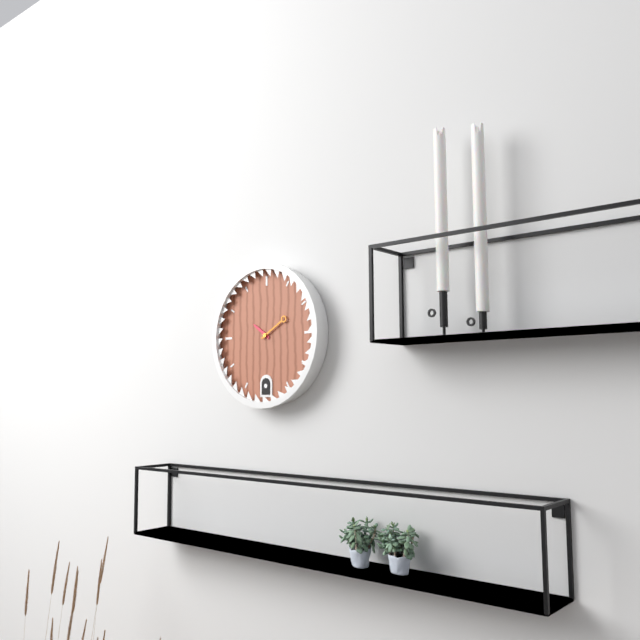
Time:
10.10
